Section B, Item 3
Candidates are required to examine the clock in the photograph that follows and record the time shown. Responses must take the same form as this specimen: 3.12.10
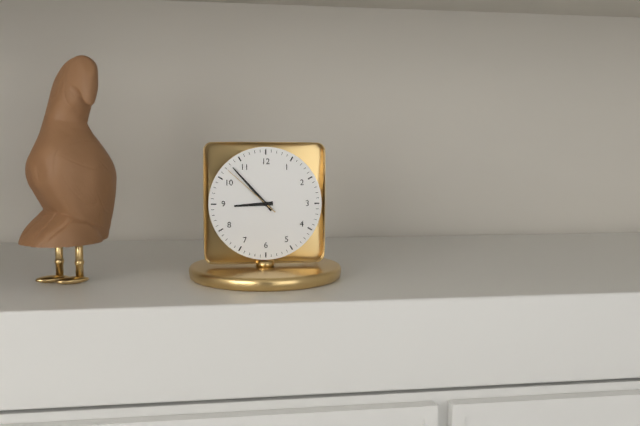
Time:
8.53.52
